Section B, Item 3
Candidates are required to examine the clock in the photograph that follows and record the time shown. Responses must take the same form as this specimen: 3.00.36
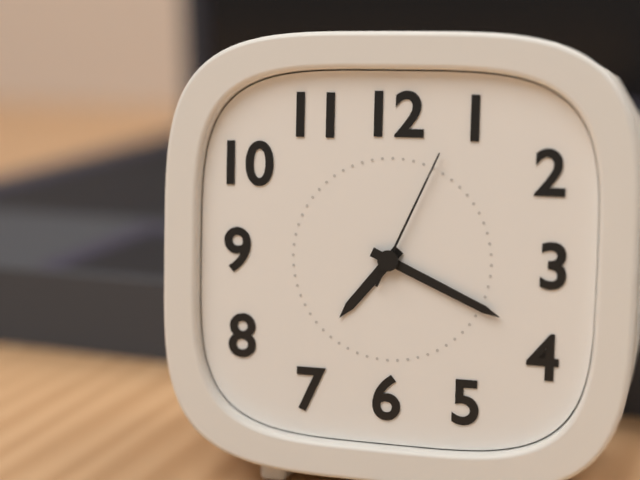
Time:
7.19.04
